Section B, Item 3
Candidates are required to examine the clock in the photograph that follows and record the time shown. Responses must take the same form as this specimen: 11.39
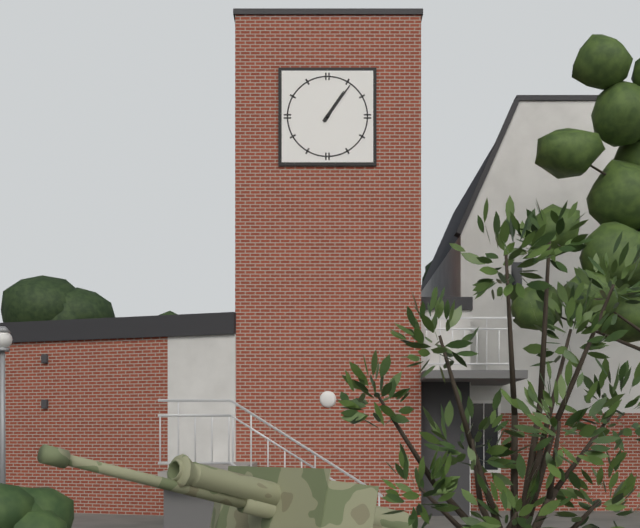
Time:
1.06
